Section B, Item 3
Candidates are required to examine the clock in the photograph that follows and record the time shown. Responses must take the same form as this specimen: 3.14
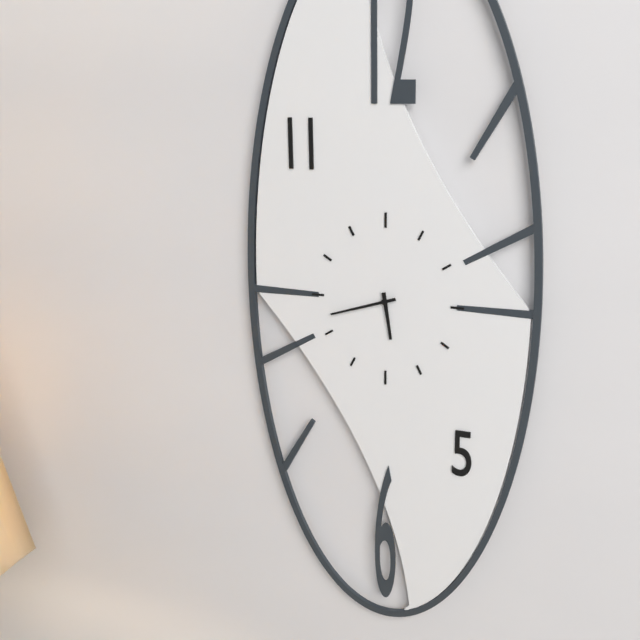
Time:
5.42
